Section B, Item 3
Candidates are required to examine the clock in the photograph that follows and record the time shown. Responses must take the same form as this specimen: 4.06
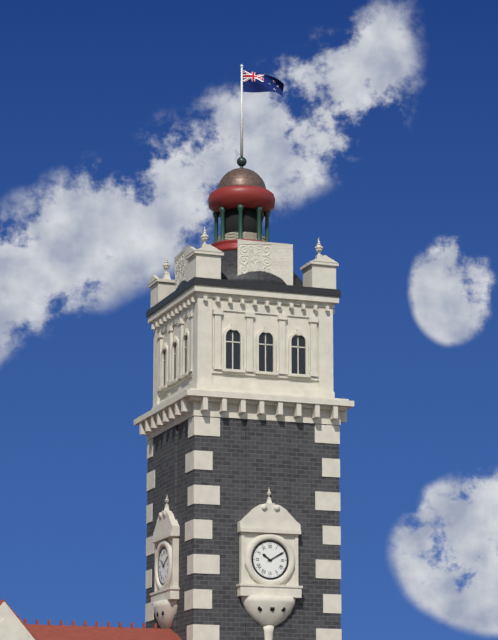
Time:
10.10
